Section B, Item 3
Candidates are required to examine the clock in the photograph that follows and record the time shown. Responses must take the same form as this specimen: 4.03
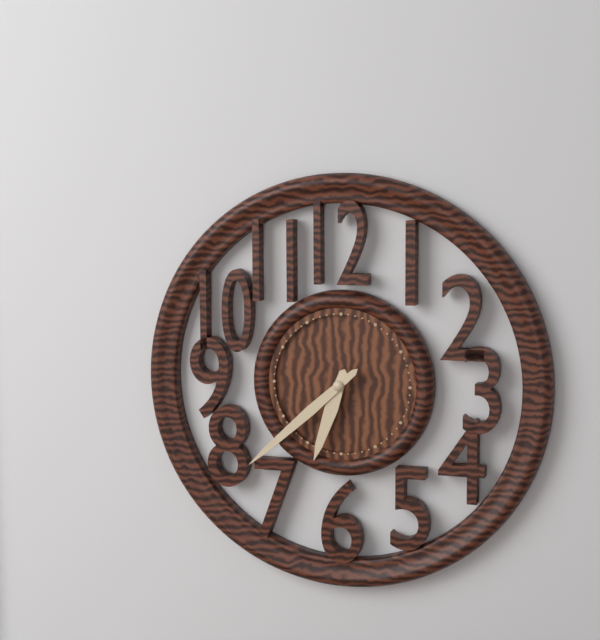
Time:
6.38
